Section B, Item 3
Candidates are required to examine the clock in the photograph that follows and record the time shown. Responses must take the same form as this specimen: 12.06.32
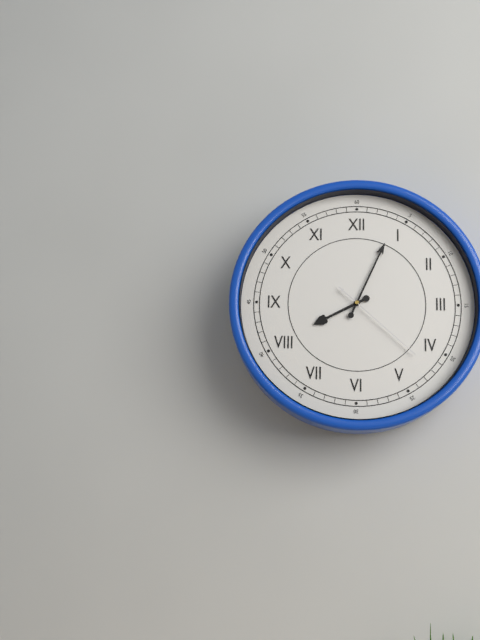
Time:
8.04.22
